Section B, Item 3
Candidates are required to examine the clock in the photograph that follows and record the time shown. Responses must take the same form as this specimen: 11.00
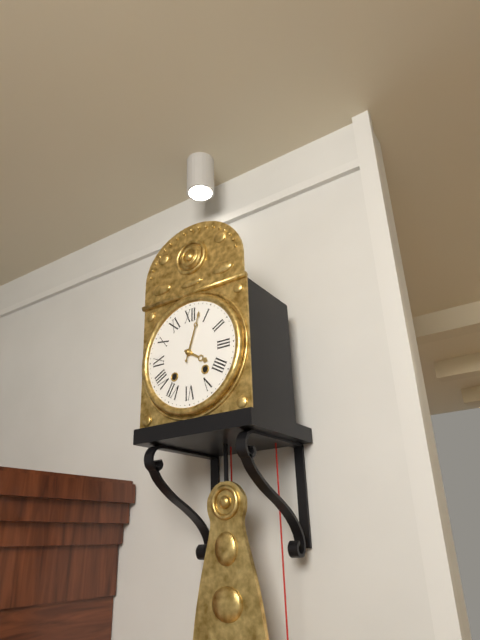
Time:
4.03
